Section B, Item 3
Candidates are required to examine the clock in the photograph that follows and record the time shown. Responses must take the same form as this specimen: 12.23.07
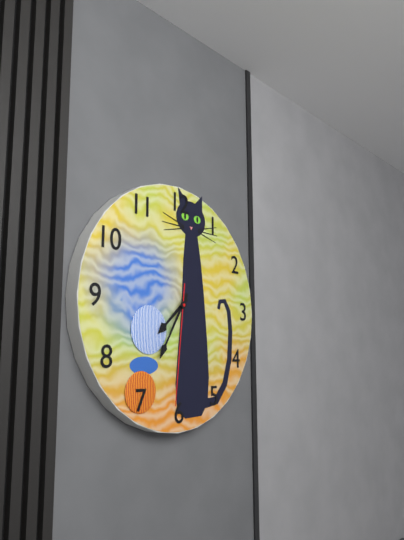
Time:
7.35.31
